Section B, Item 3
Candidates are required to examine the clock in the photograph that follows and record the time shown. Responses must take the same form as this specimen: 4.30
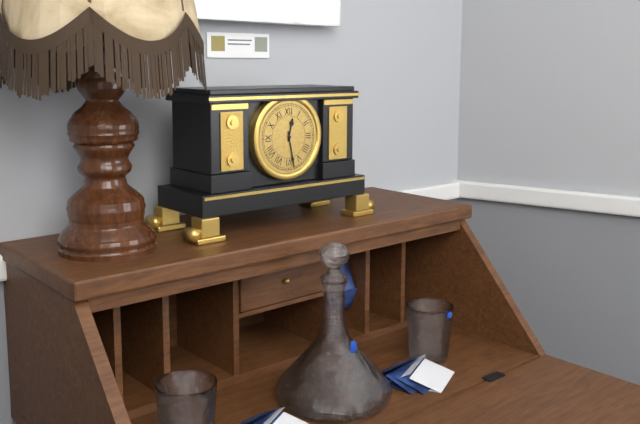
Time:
12.28
